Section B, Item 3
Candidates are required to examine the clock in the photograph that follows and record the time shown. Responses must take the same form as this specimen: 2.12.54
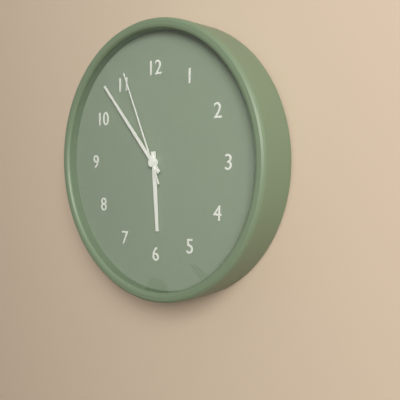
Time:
5.53.56
